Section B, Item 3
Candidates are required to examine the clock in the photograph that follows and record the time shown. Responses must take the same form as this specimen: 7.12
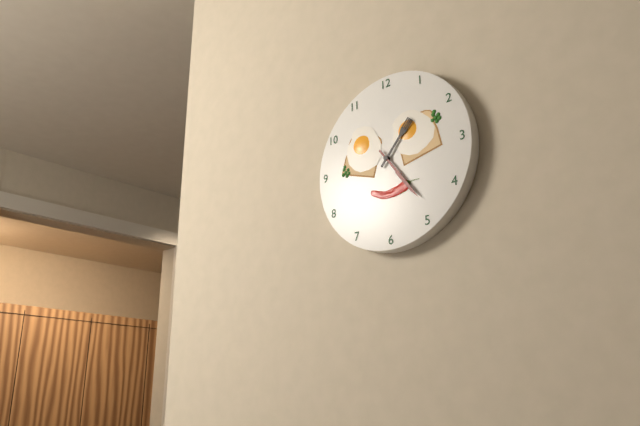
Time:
1.24
